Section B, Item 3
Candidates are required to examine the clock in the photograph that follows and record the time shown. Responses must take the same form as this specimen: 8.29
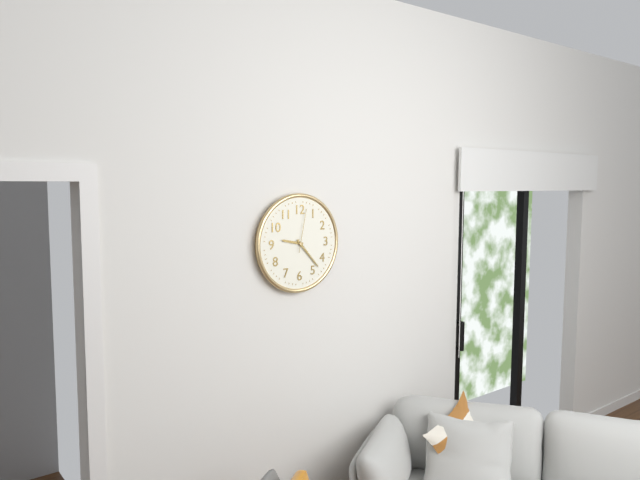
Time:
9.23
